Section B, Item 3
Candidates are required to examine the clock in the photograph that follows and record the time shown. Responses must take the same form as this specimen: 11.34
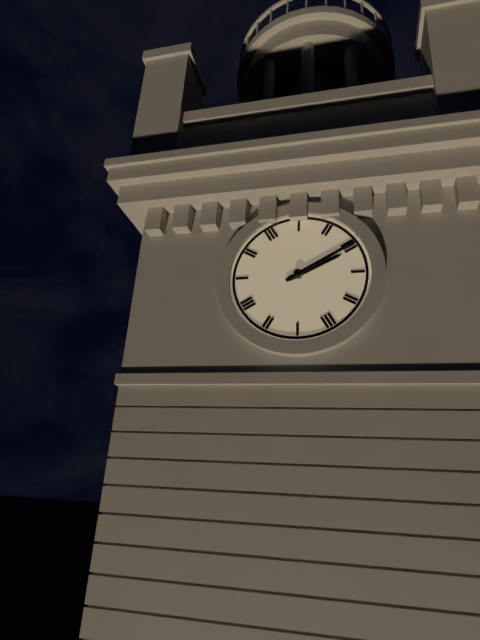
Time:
2.10
